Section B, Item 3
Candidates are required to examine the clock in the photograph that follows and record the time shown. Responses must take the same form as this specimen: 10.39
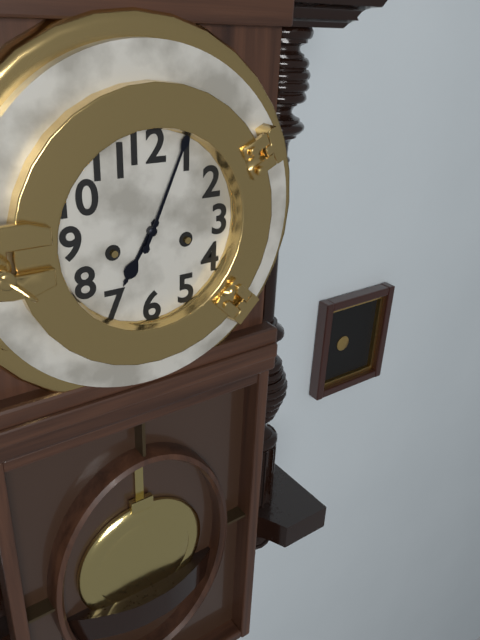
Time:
7.04
